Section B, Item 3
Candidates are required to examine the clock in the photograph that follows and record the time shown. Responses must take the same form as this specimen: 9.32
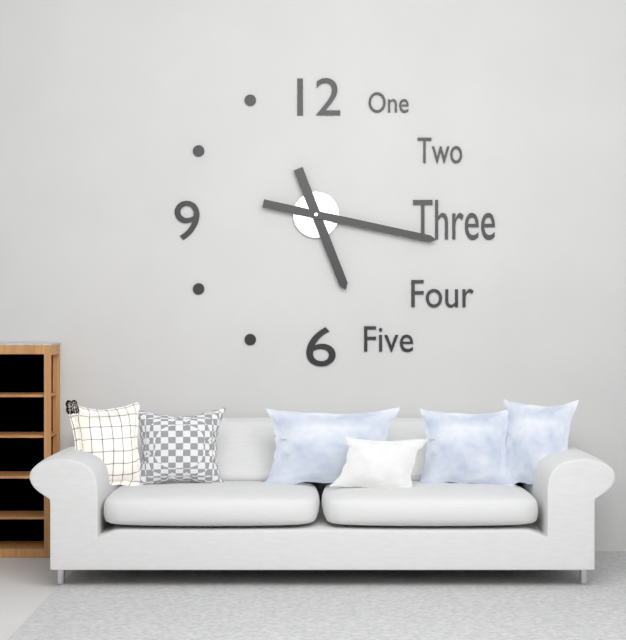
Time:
5.17
